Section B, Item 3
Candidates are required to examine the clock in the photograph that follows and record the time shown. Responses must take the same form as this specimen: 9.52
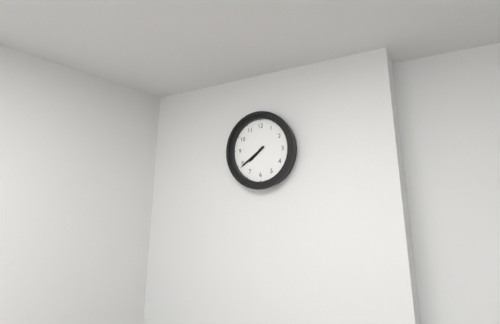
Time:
7.39
